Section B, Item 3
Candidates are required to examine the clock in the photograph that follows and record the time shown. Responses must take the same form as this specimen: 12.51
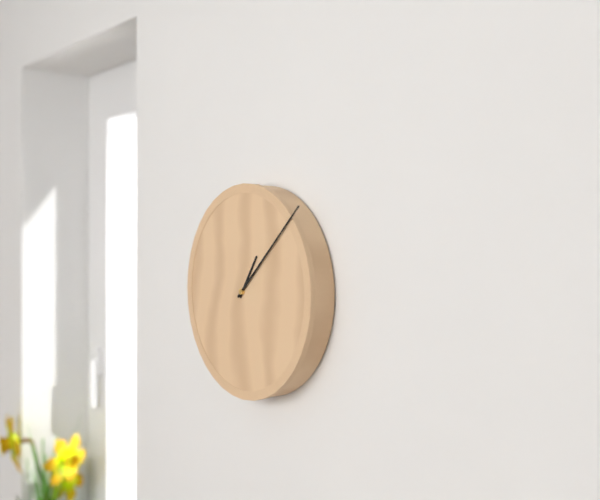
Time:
1.08
